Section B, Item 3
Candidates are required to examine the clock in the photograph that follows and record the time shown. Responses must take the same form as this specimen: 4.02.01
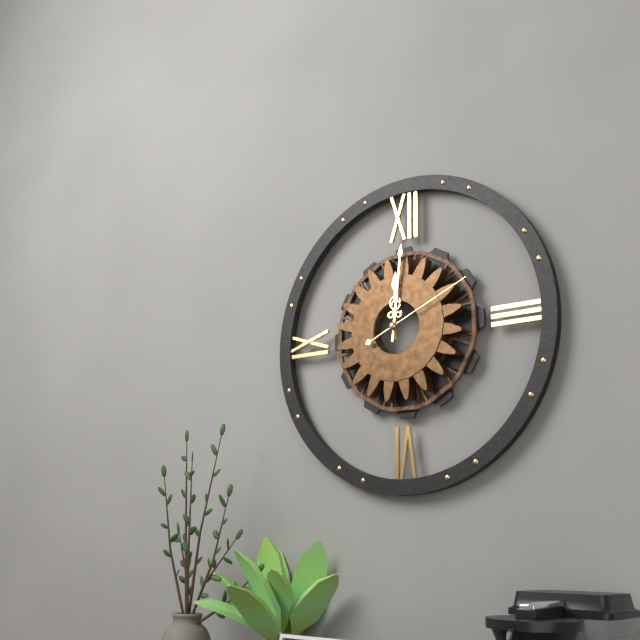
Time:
12.01.11
